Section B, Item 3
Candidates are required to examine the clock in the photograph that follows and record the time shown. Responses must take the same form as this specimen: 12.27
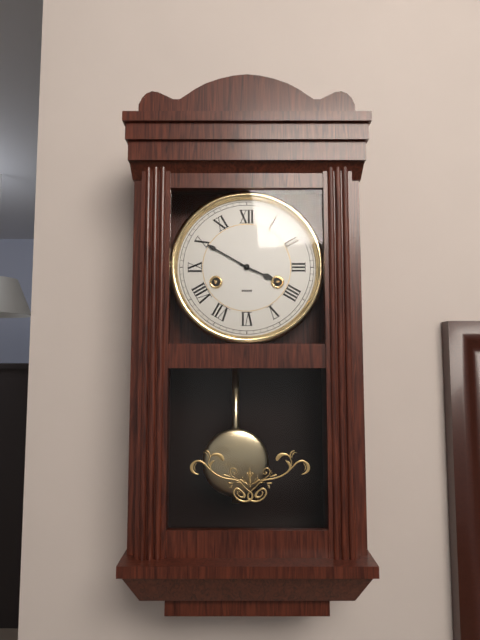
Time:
3.50
